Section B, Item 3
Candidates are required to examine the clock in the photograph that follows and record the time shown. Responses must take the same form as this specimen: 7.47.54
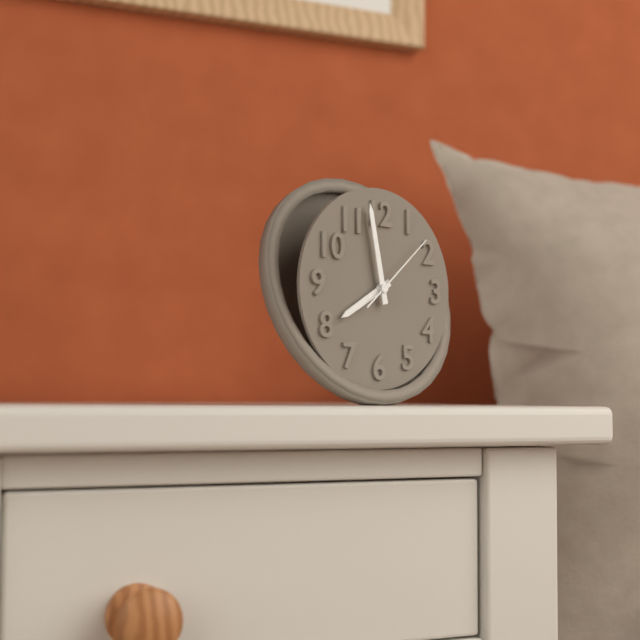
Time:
7.58.08
